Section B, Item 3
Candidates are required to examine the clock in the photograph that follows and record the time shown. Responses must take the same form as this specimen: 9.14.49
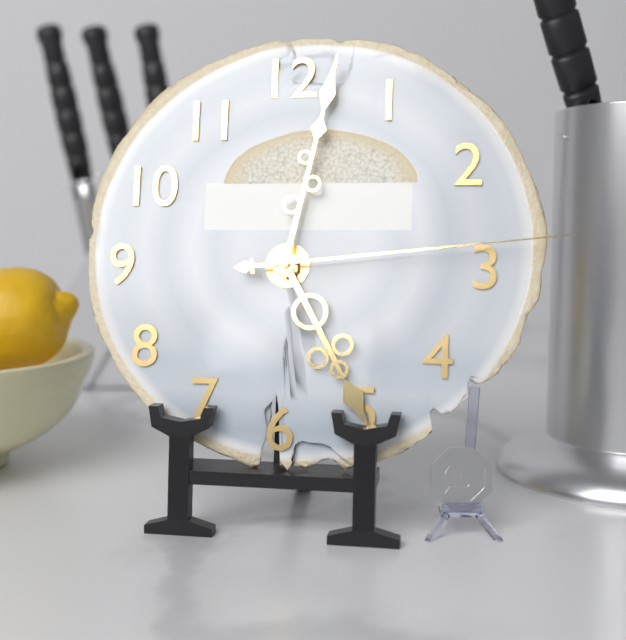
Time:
5.02.14
